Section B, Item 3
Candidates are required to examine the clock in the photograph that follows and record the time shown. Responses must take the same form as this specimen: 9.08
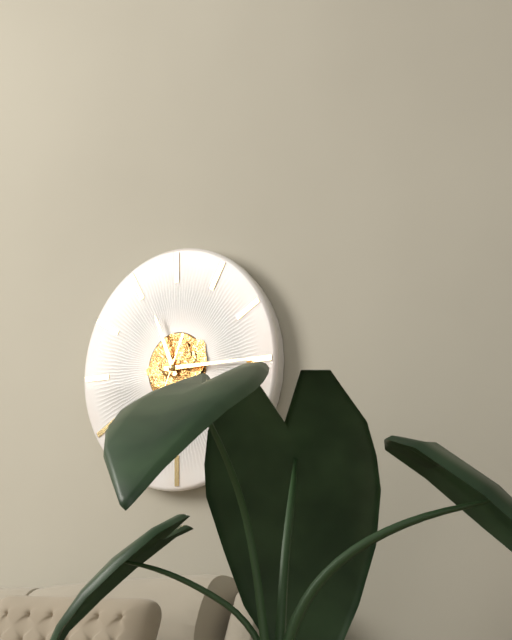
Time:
11.15
